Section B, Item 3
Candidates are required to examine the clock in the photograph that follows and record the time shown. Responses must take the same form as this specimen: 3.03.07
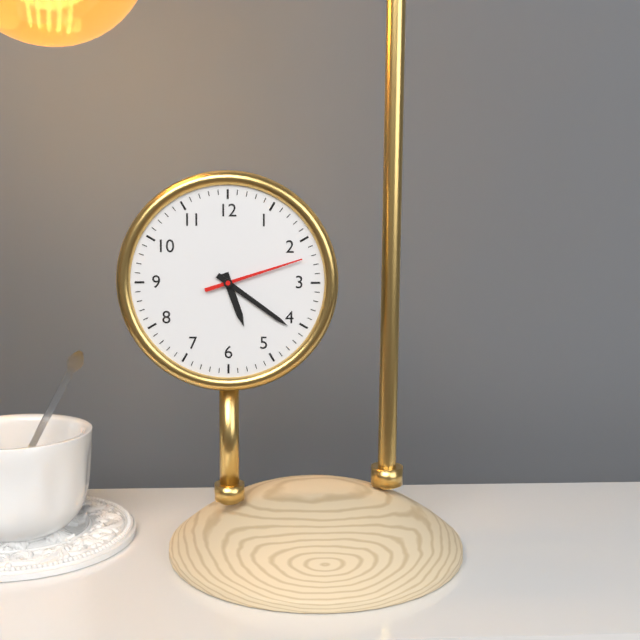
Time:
5.21.12
